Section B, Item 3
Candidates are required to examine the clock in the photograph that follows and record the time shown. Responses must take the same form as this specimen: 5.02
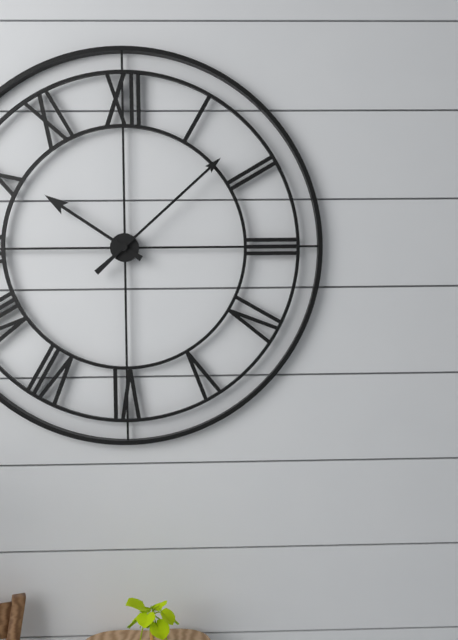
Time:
10.08
